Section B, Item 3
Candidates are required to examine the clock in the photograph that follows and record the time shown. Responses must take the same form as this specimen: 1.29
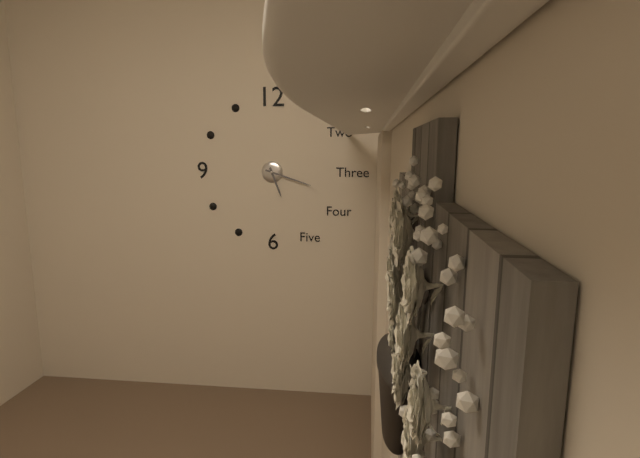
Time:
5.18
